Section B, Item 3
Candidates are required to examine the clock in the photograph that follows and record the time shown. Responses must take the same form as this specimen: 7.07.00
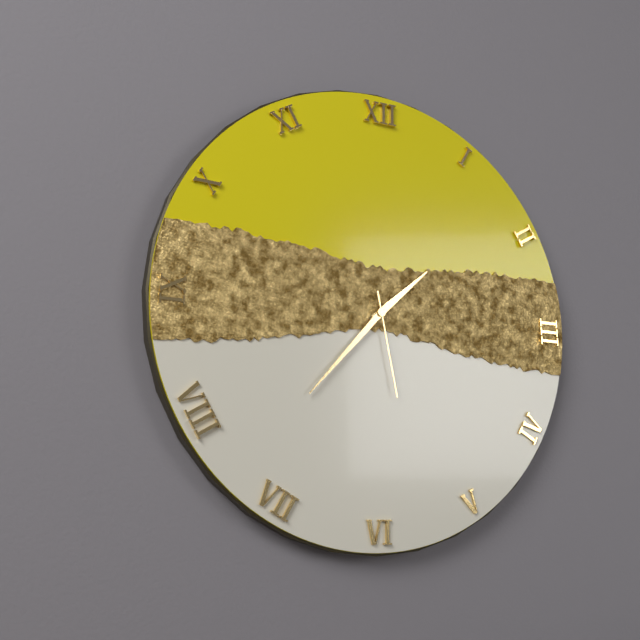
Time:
1.37.28
